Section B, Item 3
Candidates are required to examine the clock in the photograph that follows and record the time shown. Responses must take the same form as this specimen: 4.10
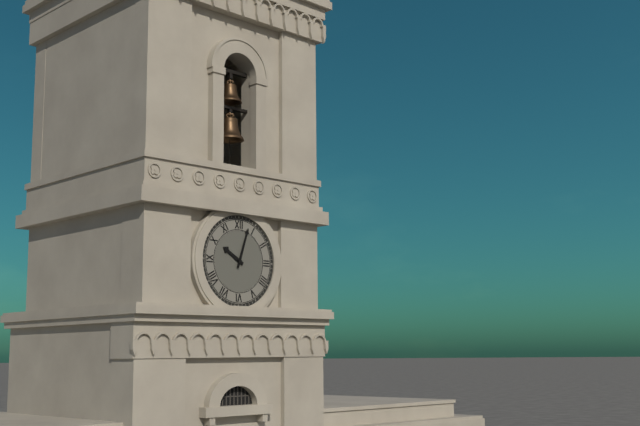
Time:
10.03
